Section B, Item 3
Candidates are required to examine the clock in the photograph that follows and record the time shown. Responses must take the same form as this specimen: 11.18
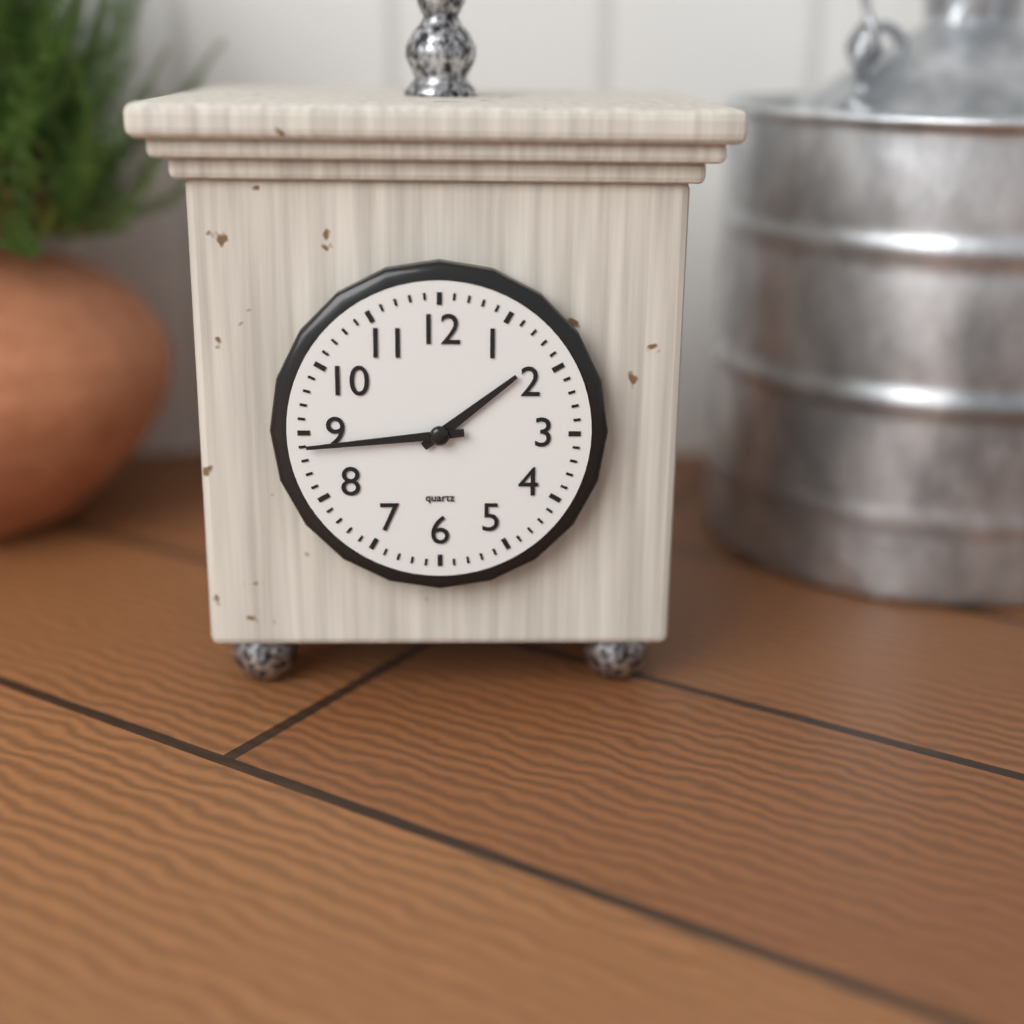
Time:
1.44
